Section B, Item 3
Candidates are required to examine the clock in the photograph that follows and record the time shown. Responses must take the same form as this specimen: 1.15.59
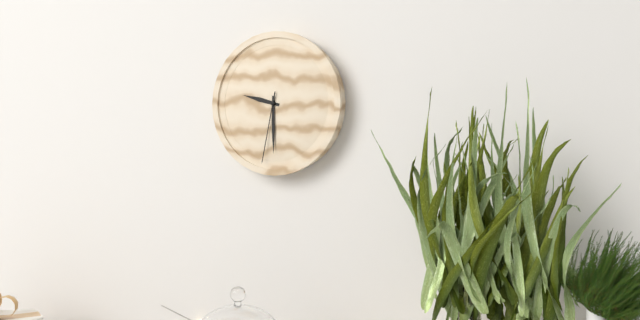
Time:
9.30.32
